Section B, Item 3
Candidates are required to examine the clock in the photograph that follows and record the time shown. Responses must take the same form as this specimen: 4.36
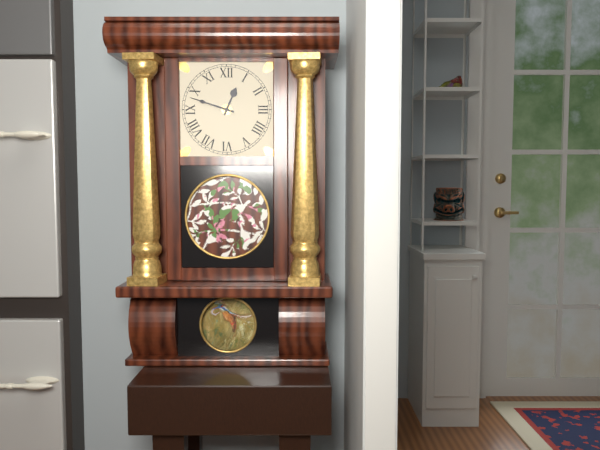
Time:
12.48
